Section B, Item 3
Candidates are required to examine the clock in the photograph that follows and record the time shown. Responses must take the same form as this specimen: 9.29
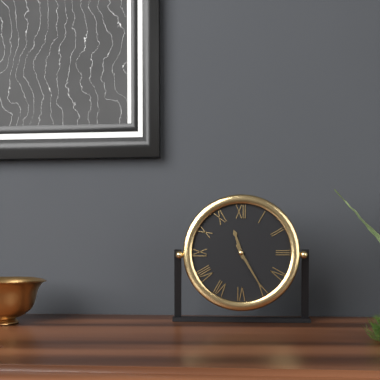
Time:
11.25
